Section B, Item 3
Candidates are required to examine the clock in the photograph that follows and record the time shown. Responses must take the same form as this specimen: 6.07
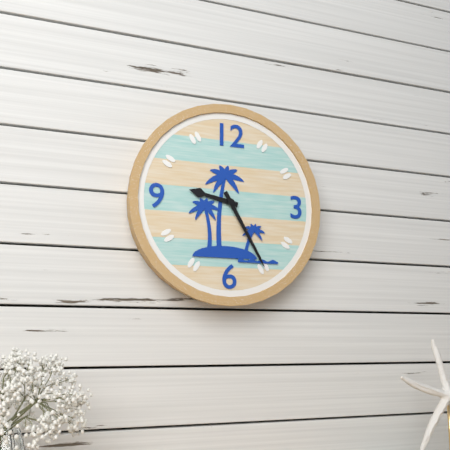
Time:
9.25
